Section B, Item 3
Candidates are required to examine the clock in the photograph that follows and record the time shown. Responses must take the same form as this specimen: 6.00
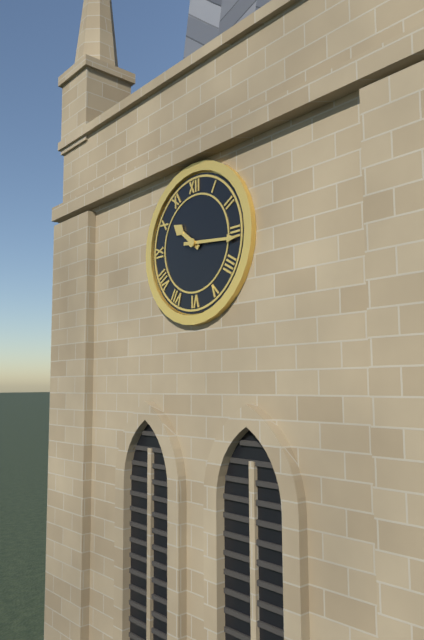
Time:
10.16
